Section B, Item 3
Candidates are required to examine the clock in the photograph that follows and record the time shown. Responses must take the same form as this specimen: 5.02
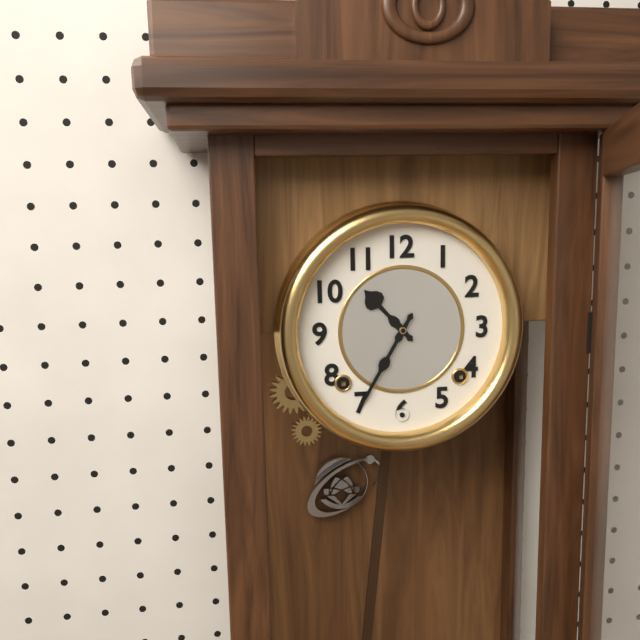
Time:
10.35
